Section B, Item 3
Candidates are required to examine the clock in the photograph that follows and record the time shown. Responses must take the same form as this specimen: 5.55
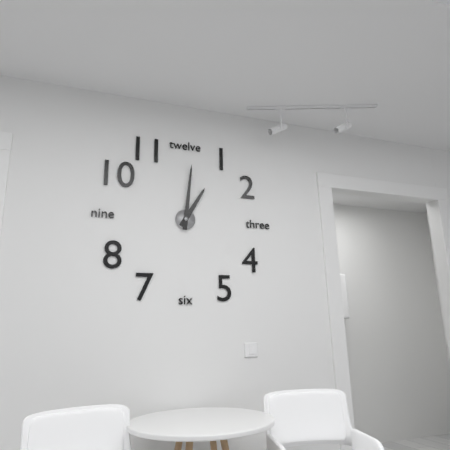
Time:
1.01
